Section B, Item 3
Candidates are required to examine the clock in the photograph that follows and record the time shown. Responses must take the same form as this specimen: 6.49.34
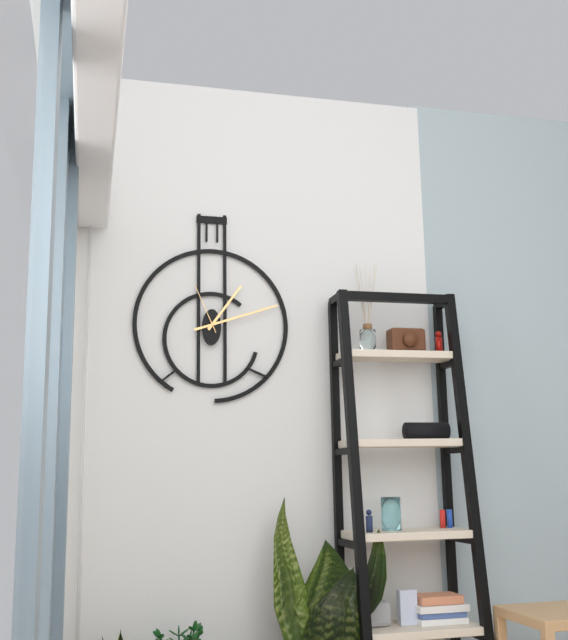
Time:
1.12.56
